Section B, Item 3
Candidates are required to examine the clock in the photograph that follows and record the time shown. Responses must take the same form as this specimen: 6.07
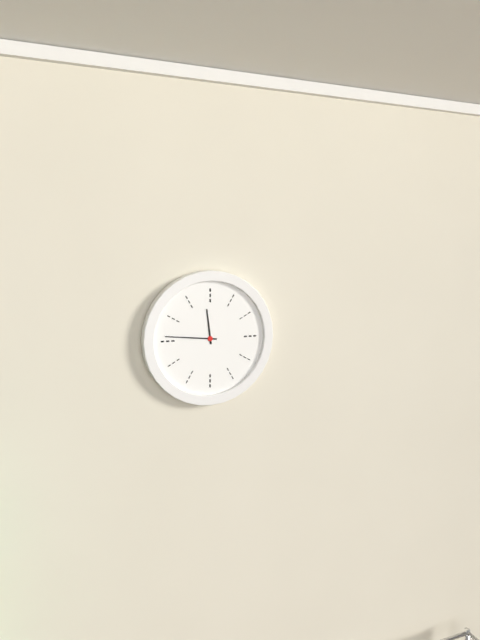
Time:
11.46
